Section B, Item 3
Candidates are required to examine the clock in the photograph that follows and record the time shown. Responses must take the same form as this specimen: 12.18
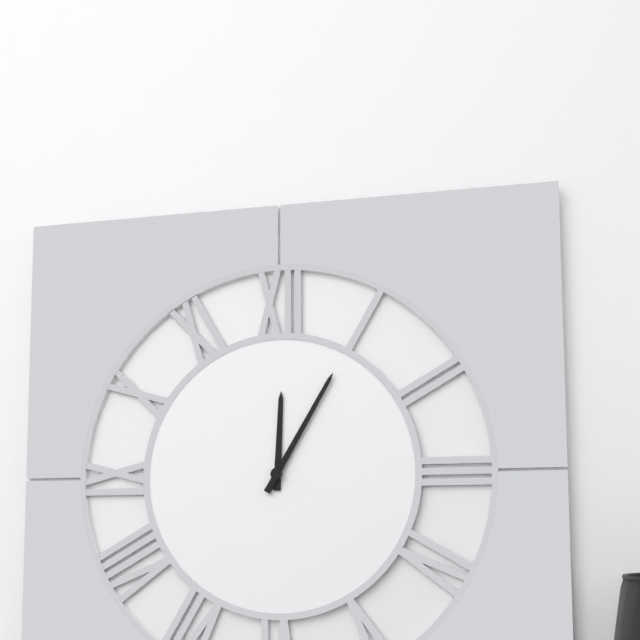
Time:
12.05
